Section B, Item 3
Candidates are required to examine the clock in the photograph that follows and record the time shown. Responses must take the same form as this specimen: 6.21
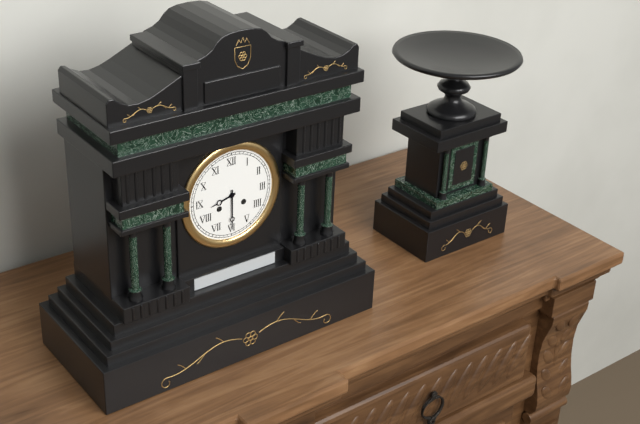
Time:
8.30
